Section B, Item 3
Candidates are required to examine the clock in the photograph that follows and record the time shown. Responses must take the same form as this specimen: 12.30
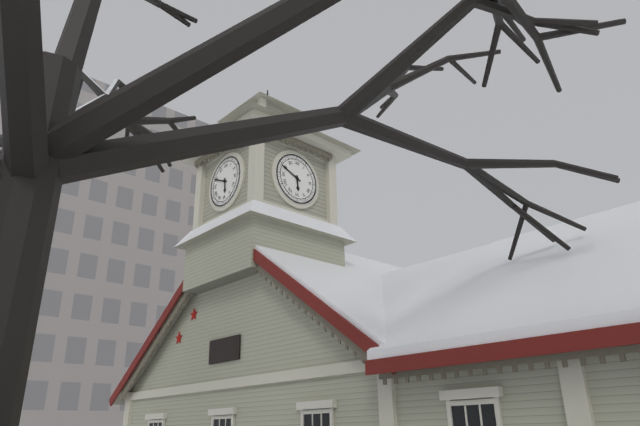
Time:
5.49
